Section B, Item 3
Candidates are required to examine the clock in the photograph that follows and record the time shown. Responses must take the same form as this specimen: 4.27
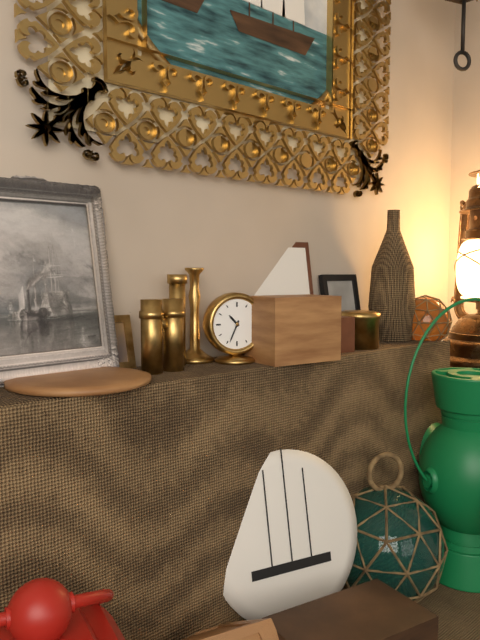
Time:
10.34
